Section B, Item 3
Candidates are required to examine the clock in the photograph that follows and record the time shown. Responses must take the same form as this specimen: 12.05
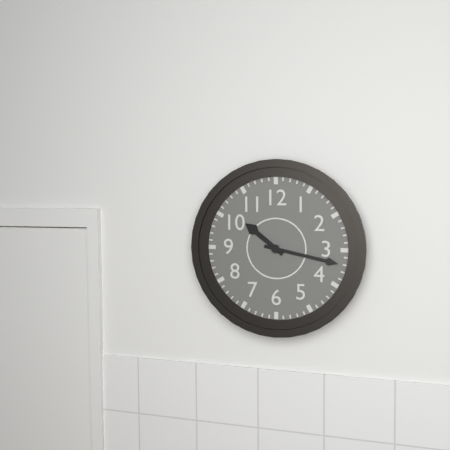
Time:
10.17
